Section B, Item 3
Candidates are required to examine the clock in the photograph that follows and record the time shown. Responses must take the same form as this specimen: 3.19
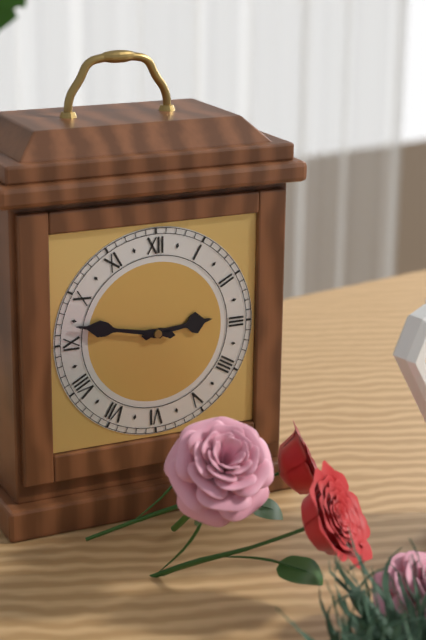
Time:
2.47
